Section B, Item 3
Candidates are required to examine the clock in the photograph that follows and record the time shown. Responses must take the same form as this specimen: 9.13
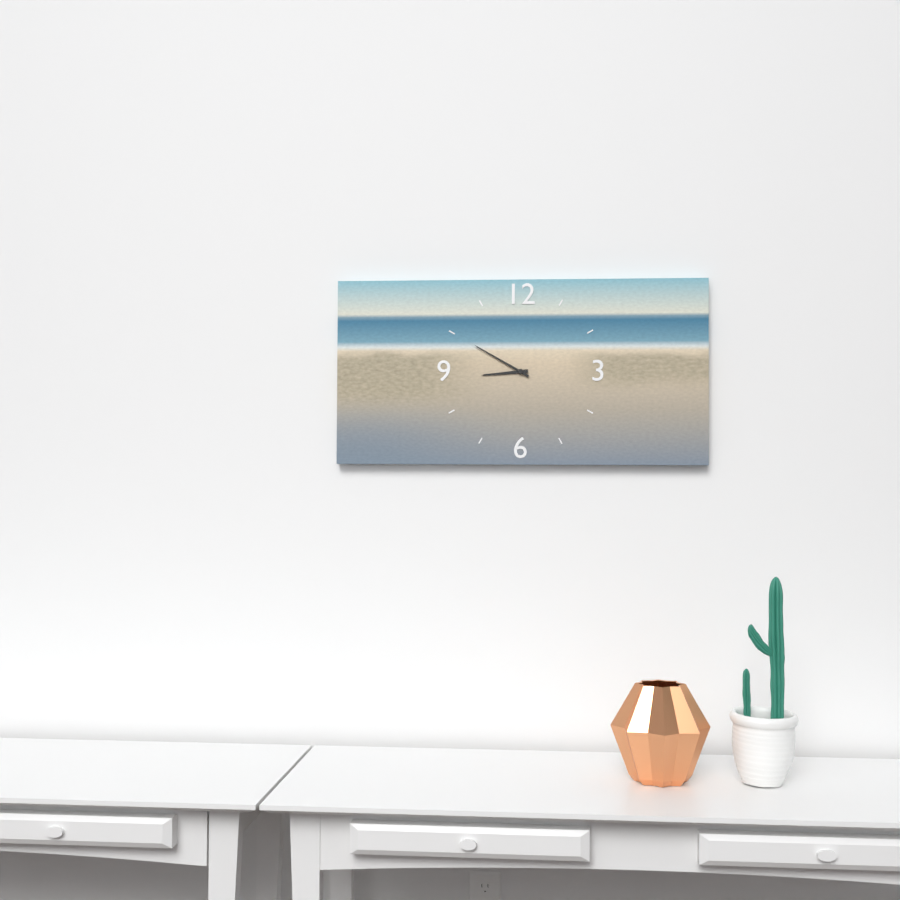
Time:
8.50
